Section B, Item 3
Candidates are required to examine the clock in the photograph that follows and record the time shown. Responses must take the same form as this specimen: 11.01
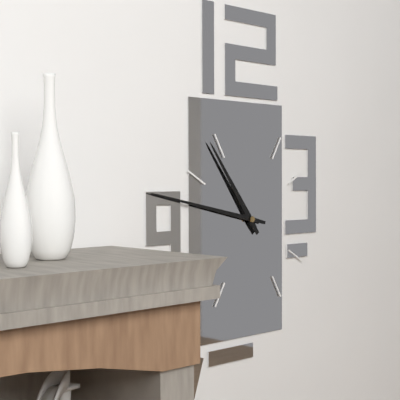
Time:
10.47
